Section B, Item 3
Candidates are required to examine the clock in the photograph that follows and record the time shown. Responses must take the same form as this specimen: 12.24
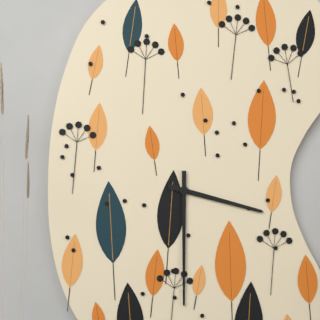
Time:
3.30
